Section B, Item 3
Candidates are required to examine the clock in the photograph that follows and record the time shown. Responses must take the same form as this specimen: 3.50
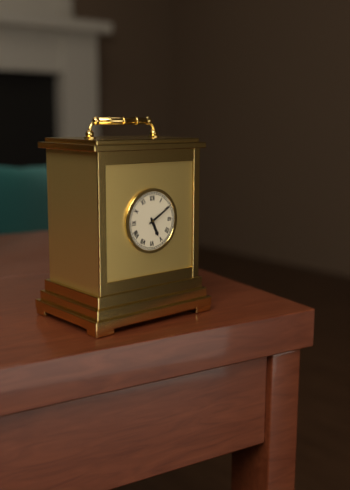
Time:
5.10
